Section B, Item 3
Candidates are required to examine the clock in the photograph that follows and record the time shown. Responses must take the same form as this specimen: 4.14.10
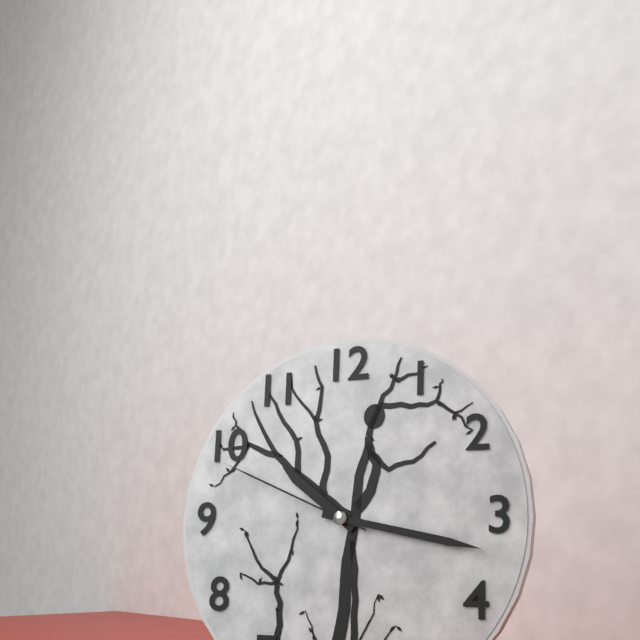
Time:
10.17.49
